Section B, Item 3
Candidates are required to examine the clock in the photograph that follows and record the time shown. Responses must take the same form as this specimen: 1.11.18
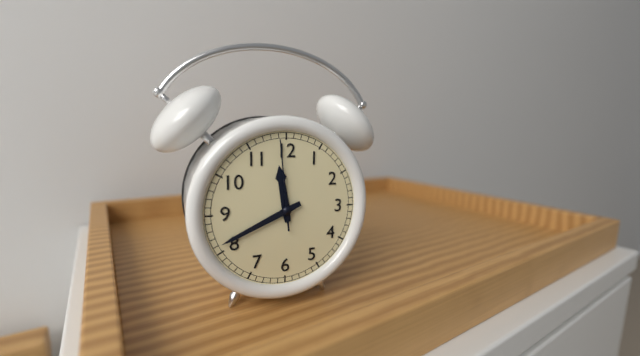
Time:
11.41.59
